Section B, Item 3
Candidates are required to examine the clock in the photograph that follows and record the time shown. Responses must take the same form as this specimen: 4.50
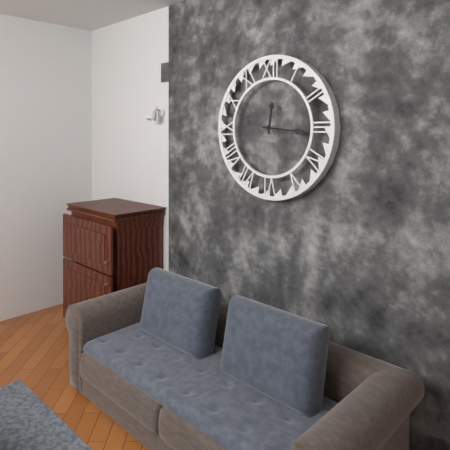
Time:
12.16
